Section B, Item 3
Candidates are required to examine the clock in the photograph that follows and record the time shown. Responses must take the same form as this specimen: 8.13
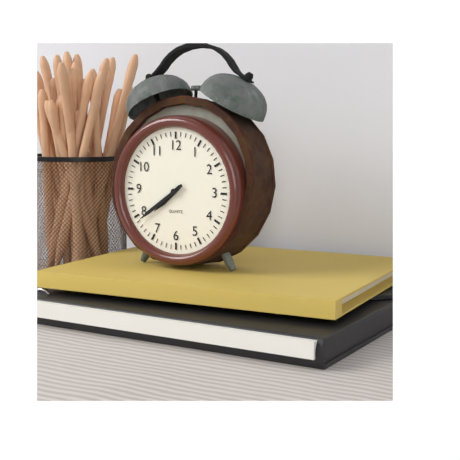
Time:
7.39
